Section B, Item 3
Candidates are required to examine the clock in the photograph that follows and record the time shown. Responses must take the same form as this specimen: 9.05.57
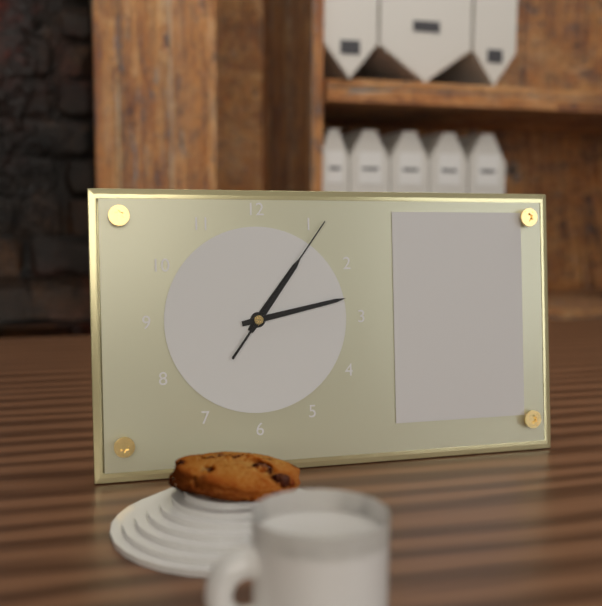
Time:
1.13.06
